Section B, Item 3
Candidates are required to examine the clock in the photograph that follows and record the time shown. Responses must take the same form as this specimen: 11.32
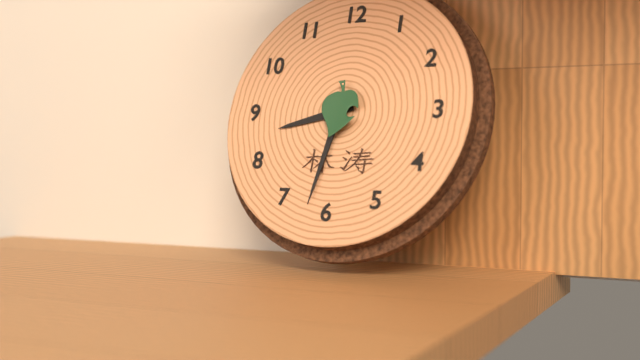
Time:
8.32
